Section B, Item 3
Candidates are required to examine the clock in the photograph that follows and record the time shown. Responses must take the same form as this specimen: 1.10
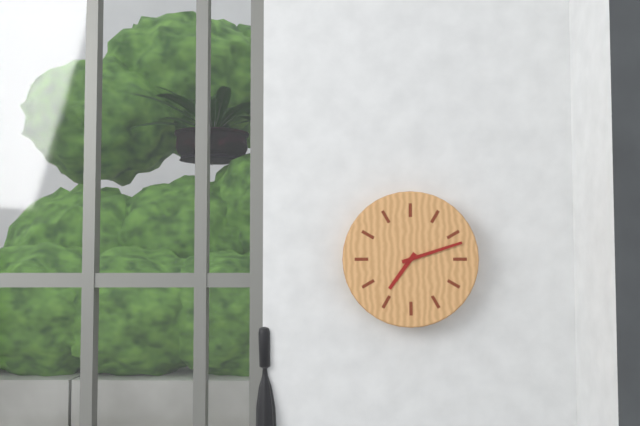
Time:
7.12
